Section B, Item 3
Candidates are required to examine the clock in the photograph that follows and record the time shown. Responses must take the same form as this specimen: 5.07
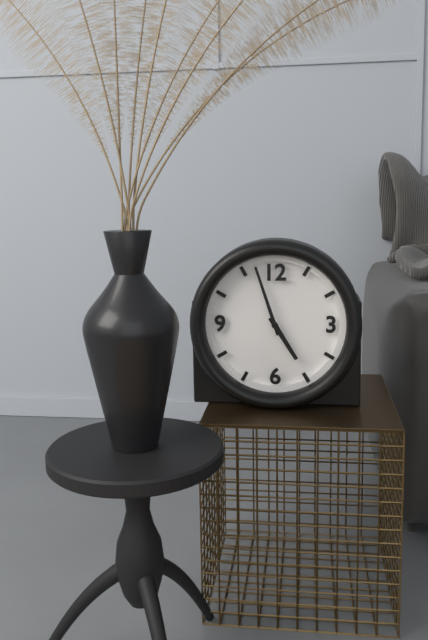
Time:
4.57
